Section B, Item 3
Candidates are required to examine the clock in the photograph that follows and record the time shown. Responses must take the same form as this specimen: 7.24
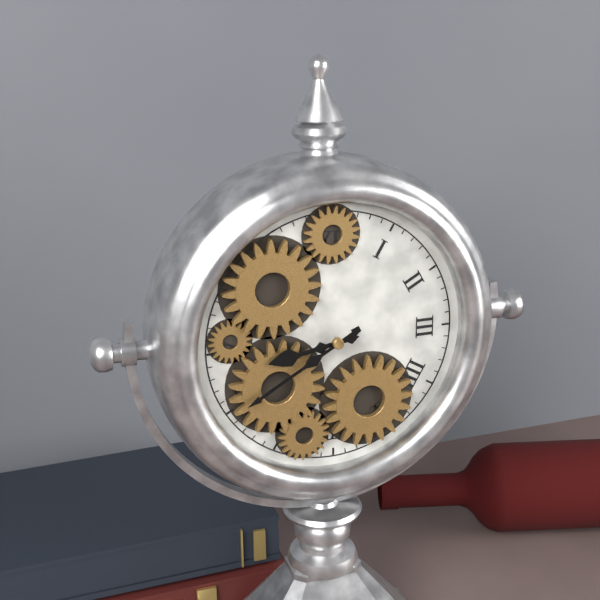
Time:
8.40
